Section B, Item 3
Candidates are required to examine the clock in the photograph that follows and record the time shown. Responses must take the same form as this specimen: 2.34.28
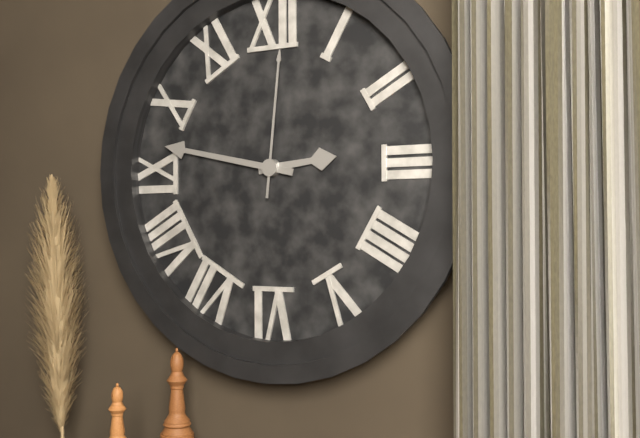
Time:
2.47.01
